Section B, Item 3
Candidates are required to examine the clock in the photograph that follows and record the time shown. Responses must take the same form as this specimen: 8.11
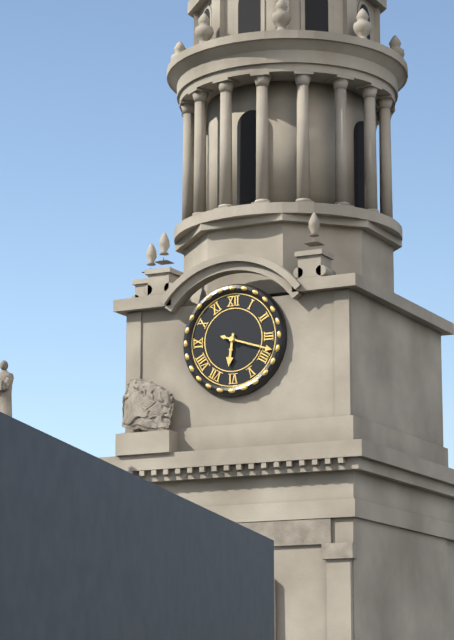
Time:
6.18
